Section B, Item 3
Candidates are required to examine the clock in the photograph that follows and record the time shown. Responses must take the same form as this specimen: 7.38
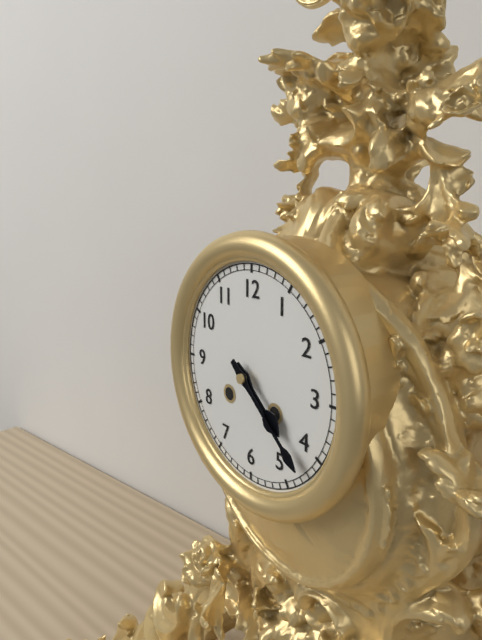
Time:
4.22
